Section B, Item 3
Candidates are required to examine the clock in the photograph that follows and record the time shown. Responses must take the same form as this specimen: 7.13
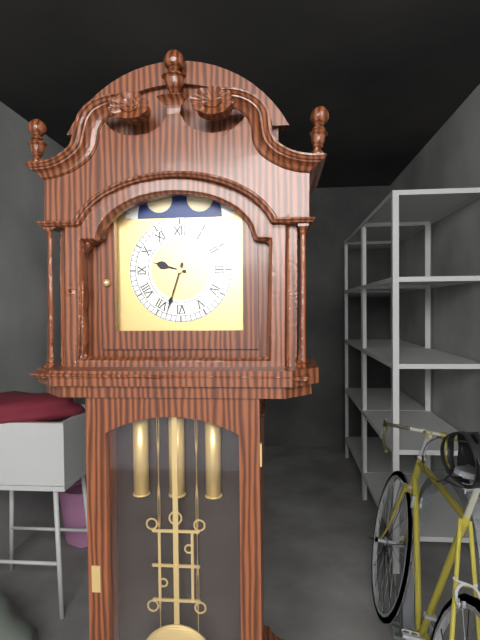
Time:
9.33
